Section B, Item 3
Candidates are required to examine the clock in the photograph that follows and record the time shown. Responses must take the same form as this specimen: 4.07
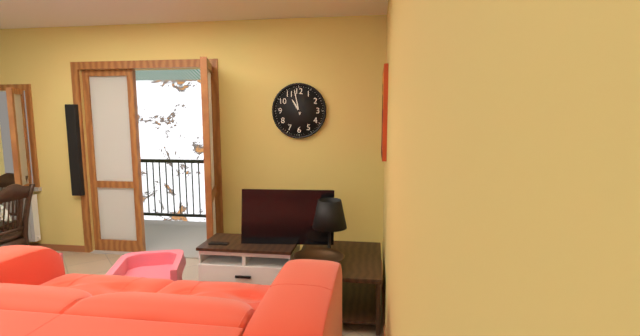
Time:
10.58
